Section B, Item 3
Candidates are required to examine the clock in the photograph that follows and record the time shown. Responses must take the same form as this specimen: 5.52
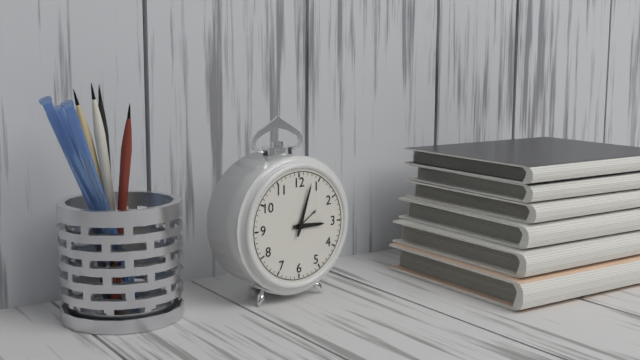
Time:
3.03
